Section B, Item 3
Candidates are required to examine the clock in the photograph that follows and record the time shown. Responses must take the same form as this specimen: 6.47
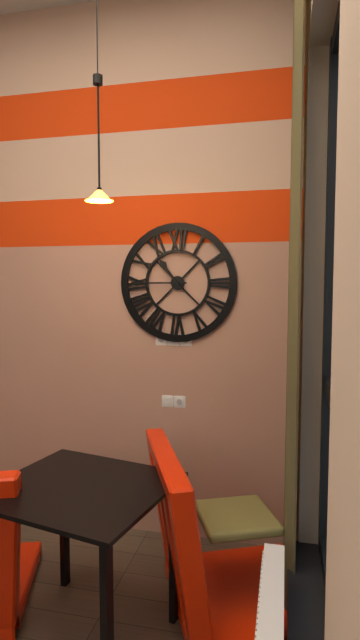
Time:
10.45
